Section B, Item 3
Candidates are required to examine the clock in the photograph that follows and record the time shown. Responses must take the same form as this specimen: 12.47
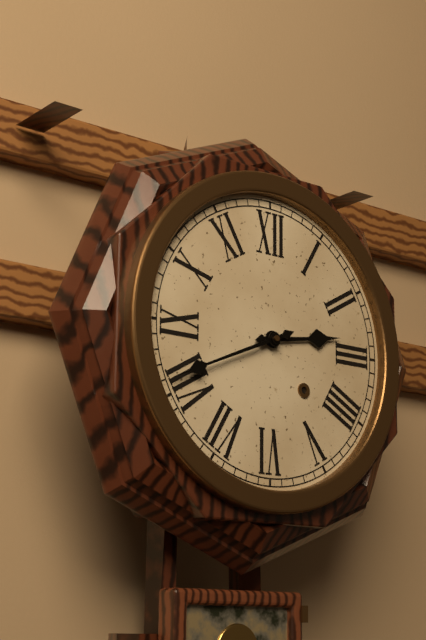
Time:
2.41
